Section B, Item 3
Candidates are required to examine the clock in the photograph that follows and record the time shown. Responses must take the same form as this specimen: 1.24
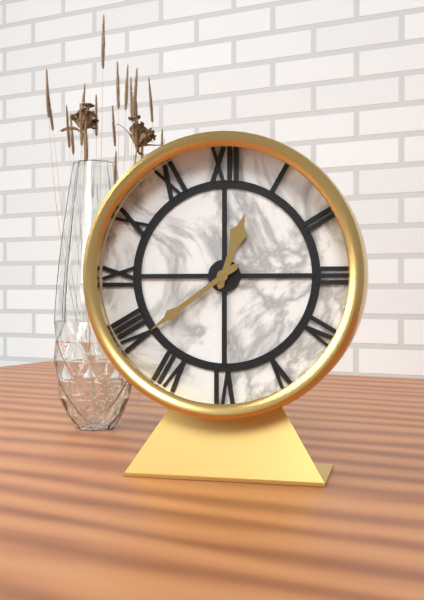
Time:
12.39
